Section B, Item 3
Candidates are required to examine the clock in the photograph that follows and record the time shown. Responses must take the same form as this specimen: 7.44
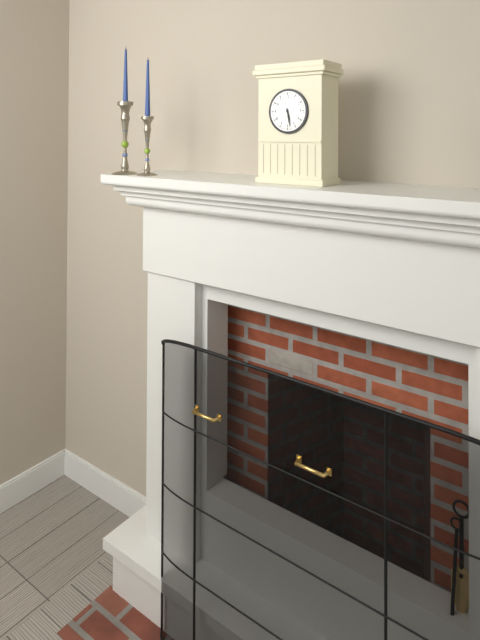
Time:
5.28
